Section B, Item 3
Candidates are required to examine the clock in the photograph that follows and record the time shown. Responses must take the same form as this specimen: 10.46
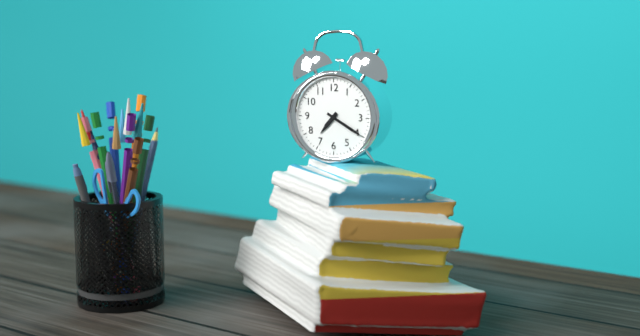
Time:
7.20
